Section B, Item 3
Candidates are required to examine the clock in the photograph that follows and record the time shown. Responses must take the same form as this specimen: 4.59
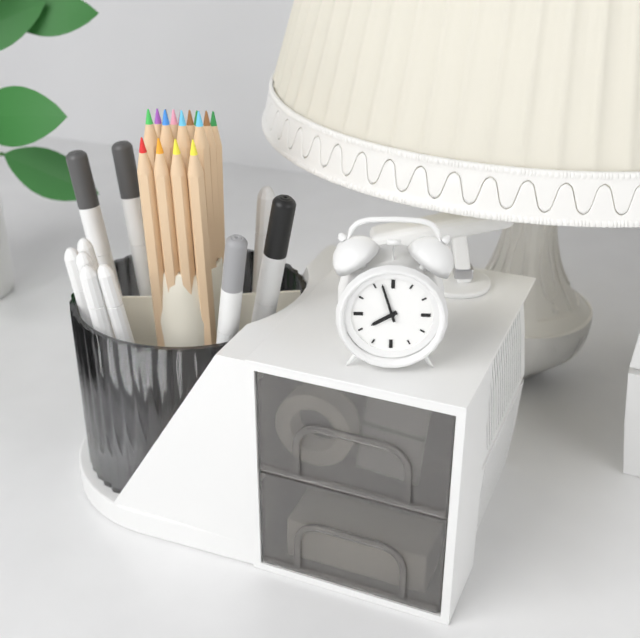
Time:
7.57
